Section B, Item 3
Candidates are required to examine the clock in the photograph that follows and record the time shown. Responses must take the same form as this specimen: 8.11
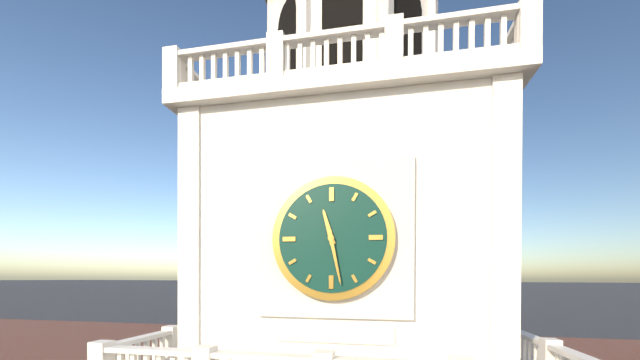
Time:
11.28
